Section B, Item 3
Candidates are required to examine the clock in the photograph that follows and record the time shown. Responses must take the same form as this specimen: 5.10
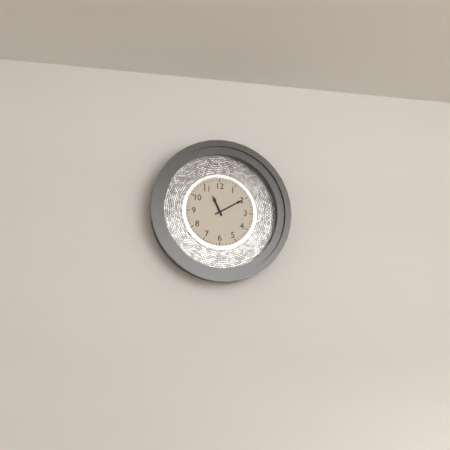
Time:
11.10
